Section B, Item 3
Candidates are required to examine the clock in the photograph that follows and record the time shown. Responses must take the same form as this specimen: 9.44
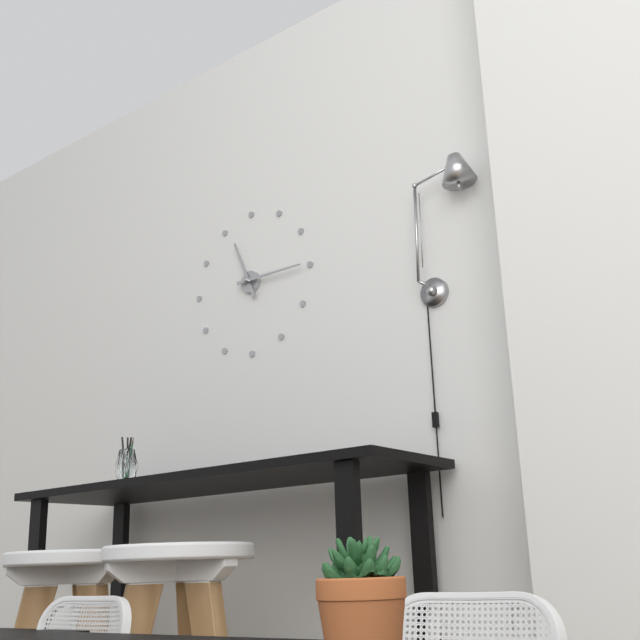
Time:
11.15
